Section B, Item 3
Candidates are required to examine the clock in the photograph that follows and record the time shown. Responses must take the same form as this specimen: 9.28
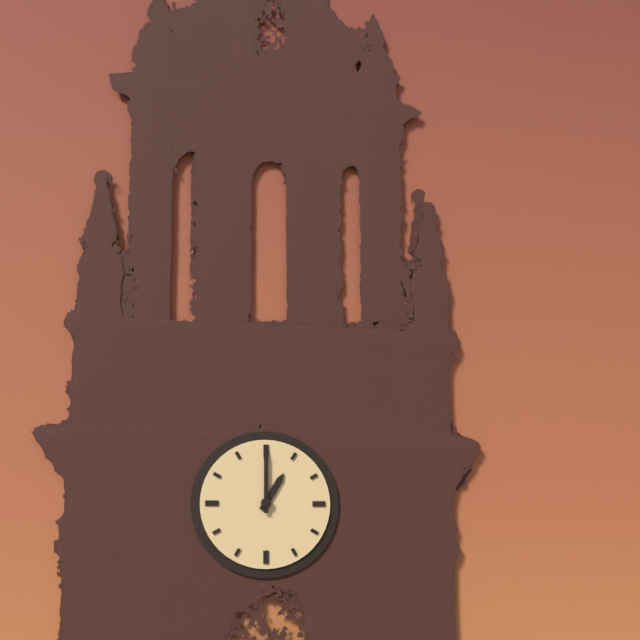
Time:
1.00
